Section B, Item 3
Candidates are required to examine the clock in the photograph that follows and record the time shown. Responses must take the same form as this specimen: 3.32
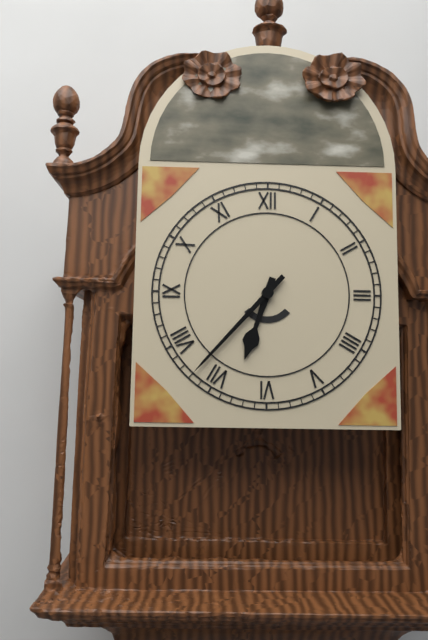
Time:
6.37
